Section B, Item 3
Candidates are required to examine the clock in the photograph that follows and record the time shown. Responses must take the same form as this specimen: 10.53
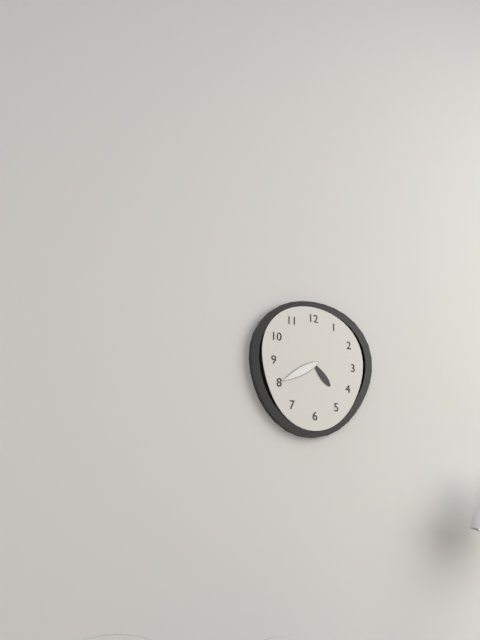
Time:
4.40
